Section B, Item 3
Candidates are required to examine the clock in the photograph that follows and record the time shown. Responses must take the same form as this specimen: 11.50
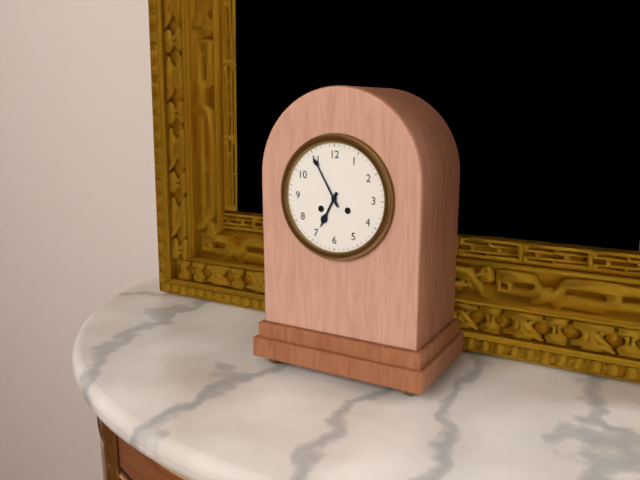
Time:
6.55
